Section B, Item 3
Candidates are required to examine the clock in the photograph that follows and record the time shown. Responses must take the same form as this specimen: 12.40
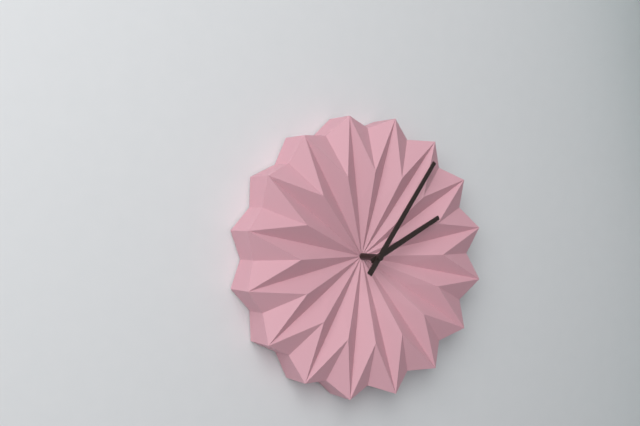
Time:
2.06
